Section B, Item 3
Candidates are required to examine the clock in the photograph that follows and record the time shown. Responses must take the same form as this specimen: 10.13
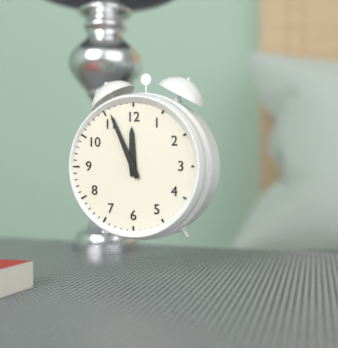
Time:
11.56
